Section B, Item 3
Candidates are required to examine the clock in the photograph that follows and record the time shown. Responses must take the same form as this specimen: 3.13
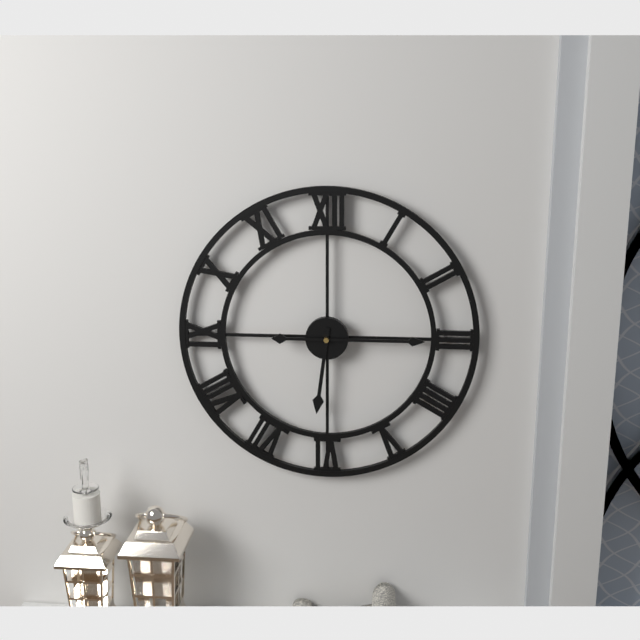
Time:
6.15
